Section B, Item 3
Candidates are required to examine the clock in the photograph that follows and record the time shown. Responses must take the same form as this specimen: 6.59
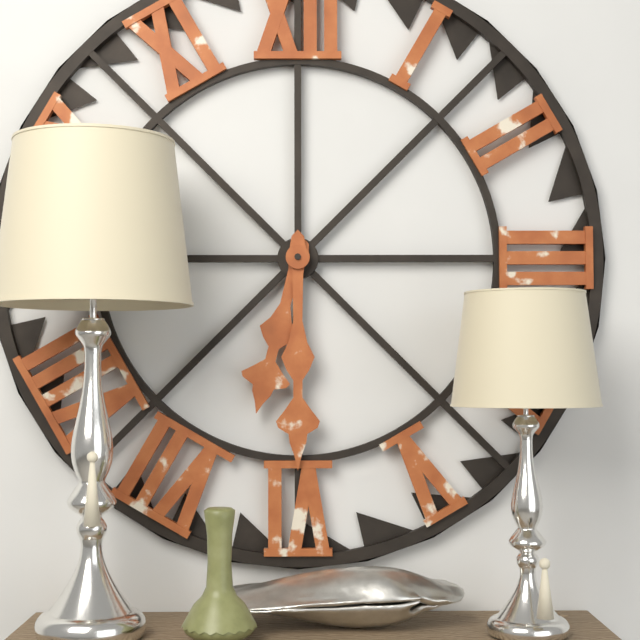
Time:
6.30
